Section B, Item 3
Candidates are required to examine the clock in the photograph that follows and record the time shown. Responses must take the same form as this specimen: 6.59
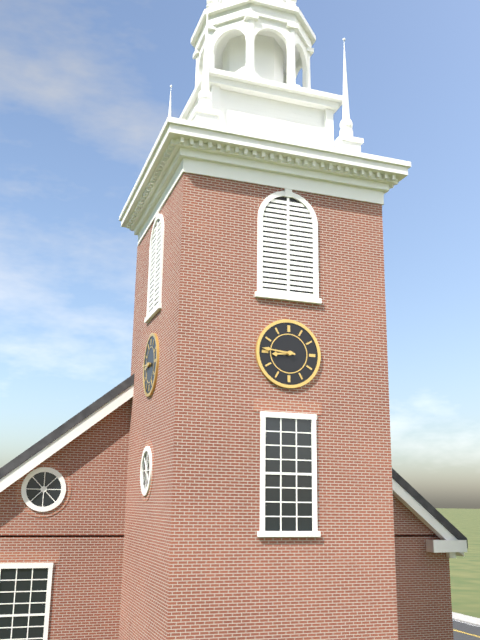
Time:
8.46
